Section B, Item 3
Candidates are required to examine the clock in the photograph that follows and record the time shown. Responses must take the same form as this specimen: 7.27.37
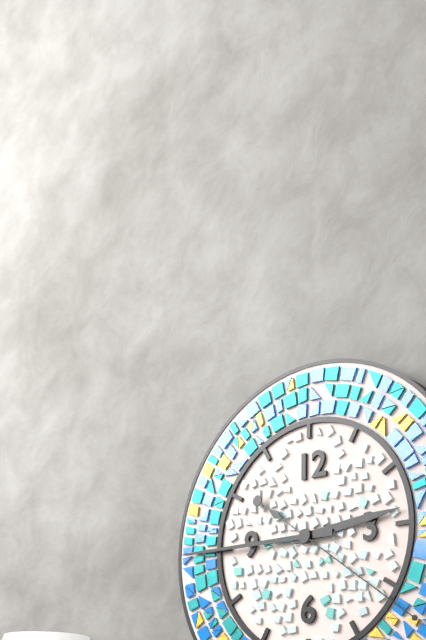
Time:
2.45.21
